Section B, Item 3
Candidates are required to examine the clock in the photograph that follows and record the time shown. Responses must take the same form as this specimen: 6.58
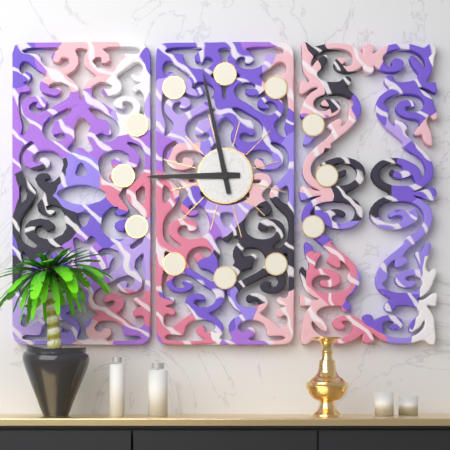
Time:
8.58
